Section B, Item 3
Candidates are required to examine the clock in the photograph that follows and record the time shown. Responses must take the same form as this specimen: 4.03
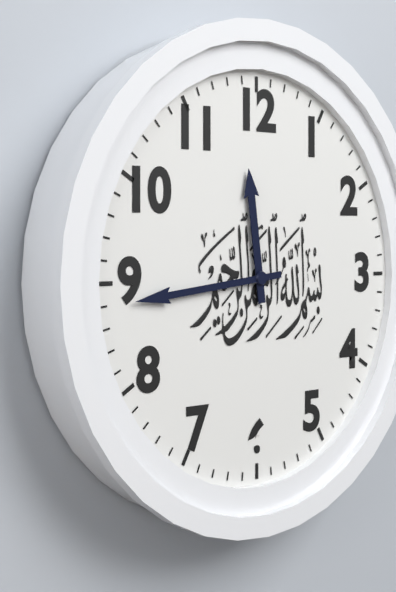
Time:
11.44
